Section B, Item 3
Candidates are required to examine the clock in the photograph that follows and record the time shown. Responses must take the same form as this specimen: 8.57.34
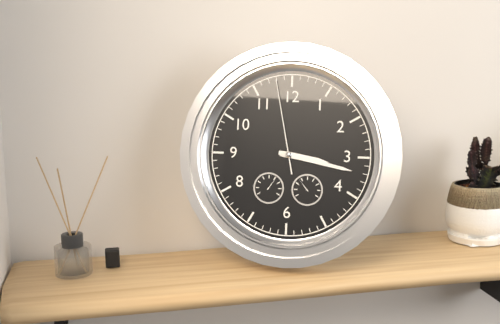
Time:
3.17.58
